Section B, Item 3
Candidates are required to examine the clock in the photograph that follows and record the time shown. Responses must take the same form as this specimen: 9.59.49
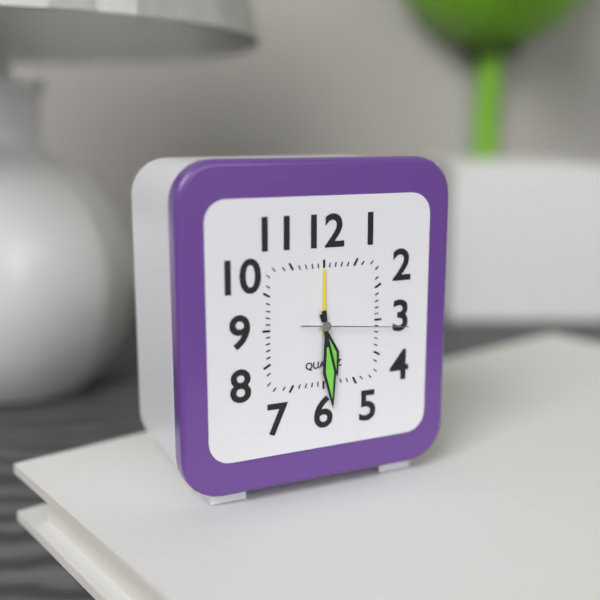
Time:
5.29.16
